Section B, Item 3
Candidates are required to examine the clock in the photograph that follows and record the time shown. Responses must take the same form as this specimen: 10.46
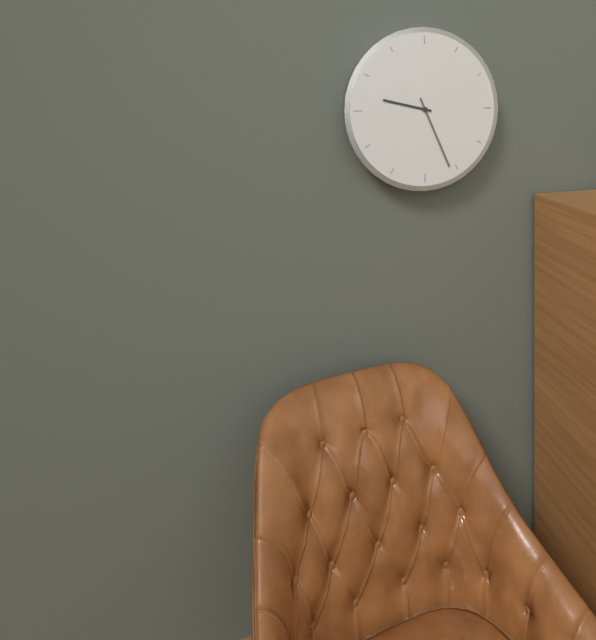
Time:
9.26
